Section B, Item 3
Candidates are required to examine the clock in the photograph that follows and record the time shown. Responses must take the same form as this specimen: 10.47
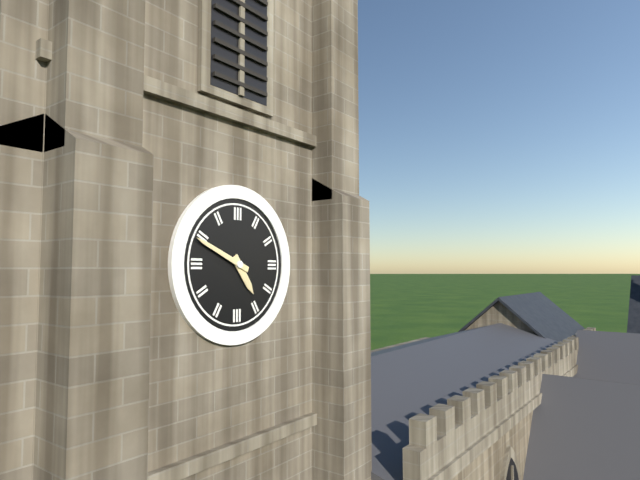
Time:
4.49
